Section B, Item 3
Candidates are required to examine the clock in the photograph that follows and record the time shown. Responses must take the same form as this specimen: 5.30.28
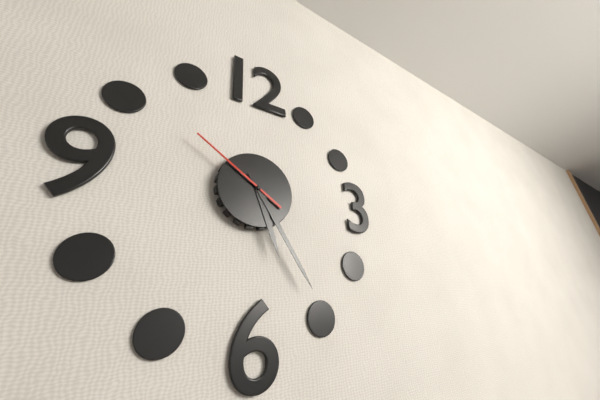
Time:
5.25.51
